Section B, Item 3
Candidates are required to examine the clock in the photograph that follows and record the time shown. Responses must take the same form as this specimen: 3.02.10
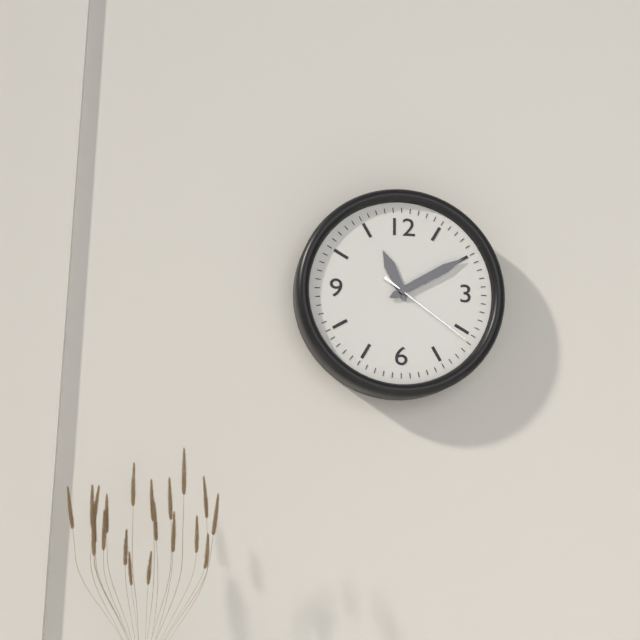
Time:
11.10.21
